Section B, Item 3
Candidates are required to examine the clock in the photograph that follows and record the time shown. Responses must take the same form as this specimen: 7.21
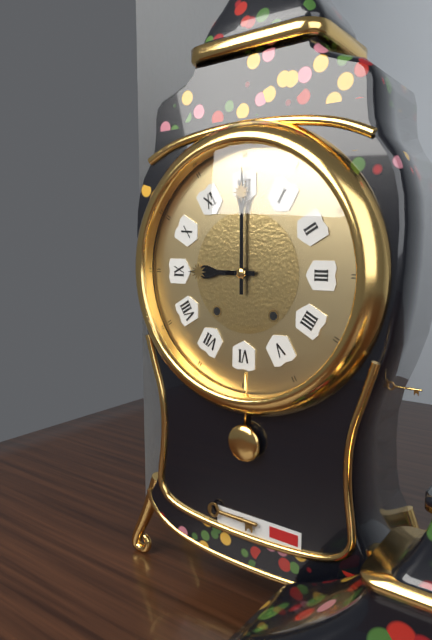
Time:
9.00
